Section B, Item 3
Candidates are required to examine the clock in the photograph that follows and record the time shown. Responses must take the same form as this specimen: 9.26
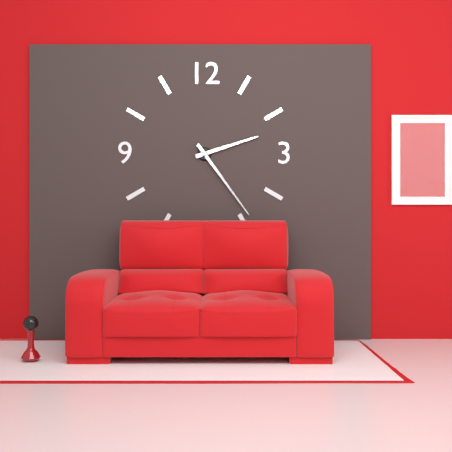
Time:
2.24
